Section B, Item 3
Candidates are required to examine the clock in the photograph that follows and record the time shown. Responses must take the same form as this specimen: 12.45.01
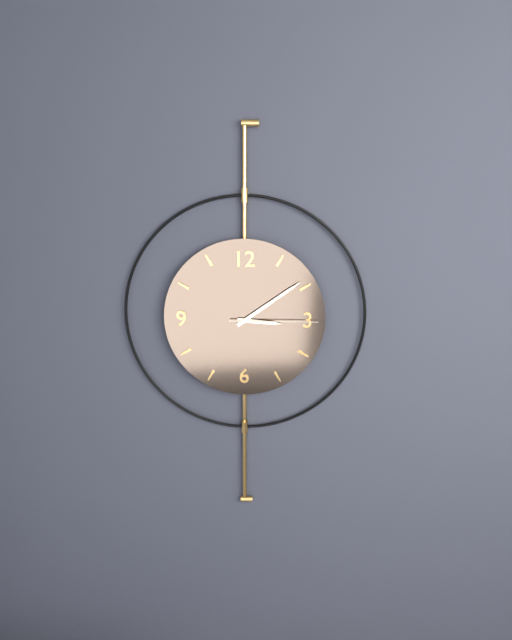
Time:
3.09.15
